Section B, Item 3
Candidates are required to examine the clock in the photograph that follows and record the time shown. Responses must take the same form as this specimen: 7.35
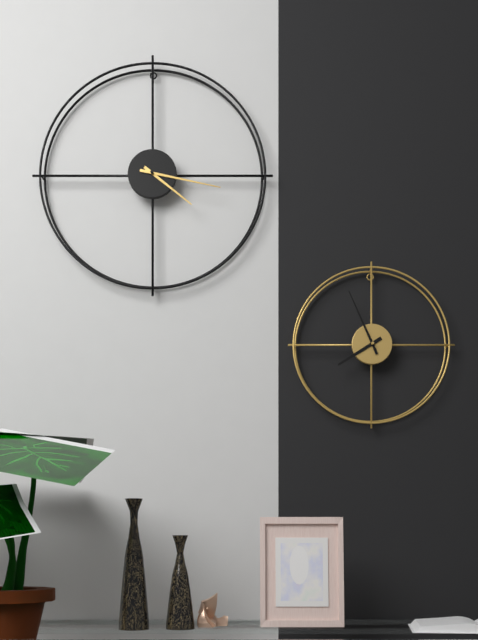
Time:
4.17
